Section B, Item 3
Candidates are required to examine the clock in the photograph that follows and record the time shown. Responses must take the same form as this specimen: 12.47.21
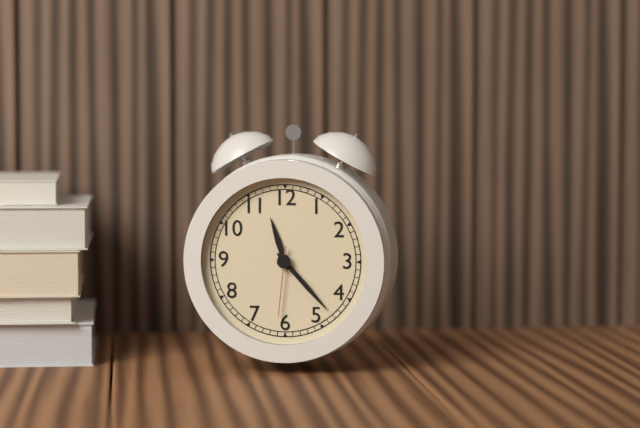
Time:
11.23.31
